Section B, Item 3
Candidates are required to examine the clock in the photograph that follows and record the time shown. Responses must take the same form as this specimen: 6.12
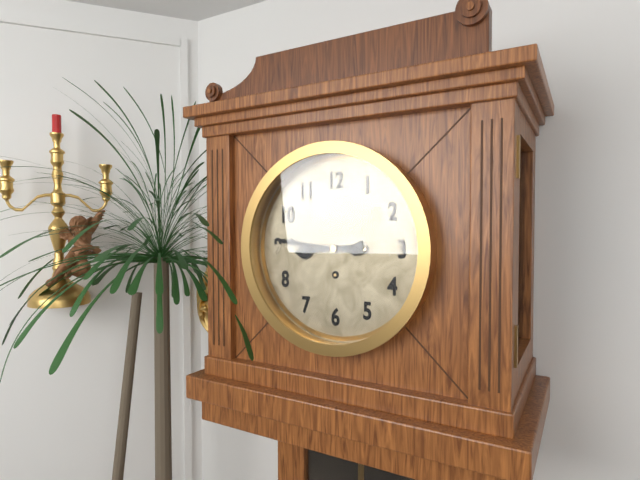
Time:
8.46
